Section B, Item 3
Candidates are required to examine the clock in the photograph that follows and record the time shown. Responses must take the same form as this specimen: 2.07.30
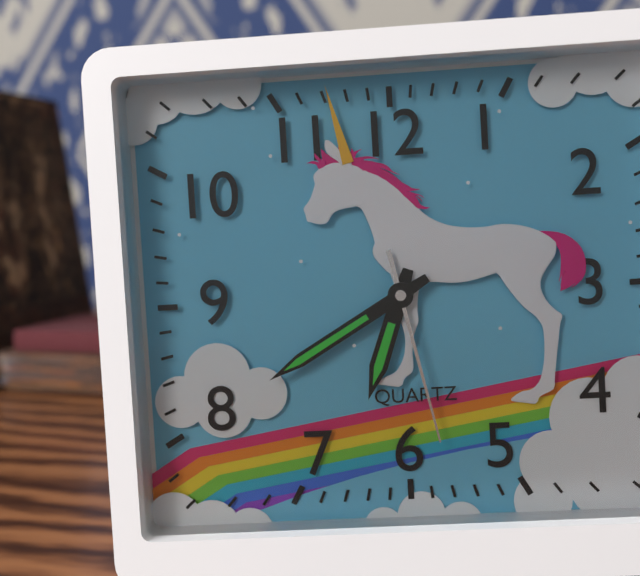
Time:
6.40.28
